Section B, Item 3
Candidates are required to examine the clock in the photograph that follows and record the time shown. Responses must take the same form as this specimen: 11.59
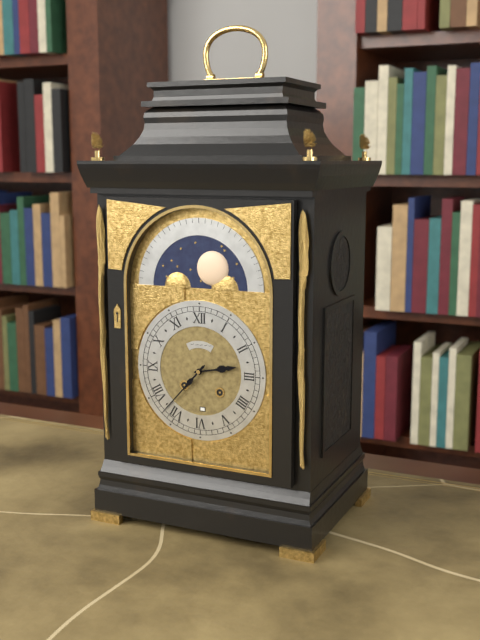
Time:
2.37
